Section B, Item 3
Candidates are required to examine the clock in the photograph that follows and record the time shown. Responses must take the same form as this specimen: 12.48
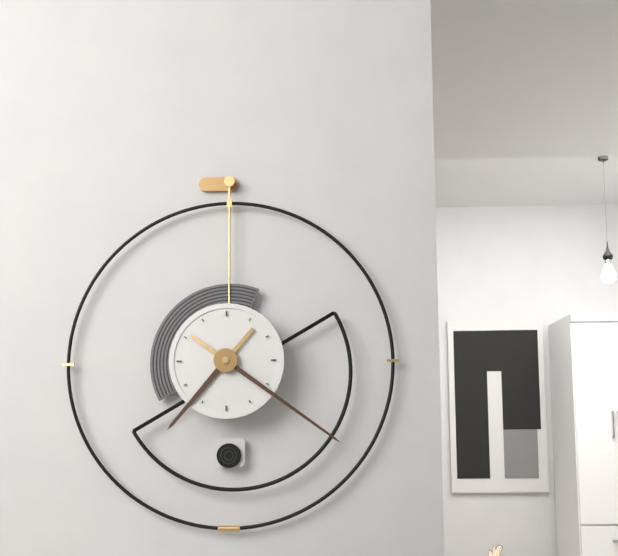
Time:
7.21
